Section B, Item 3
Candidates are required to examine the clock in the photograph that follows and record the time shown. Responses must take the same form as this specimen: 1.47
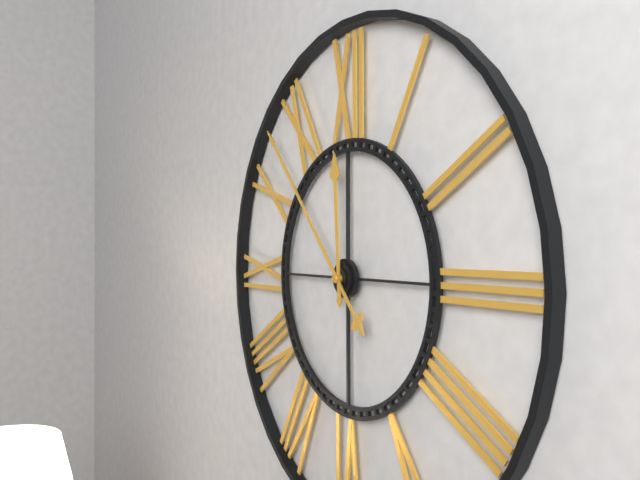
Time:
11.53
